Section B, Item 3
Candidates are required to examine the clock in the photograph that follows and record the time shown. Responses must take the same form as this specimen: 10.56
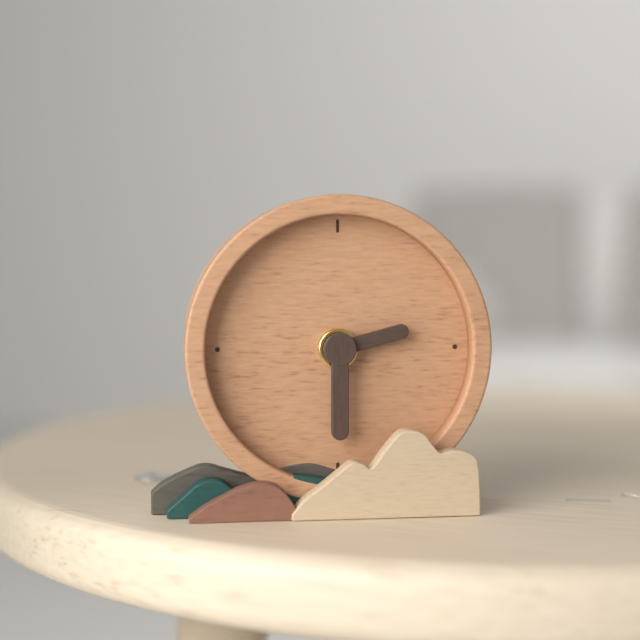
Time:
2.30
